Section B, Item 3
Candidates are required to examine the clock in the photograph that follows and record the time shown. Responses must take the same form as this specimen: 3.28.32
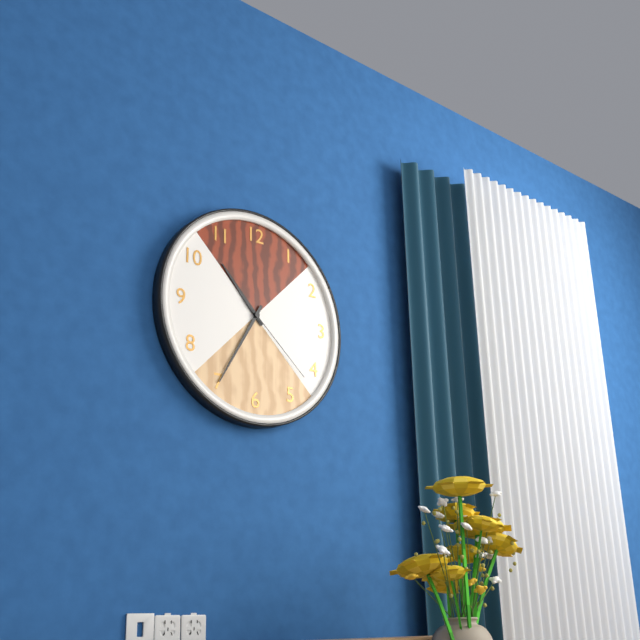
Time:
10.35.22
